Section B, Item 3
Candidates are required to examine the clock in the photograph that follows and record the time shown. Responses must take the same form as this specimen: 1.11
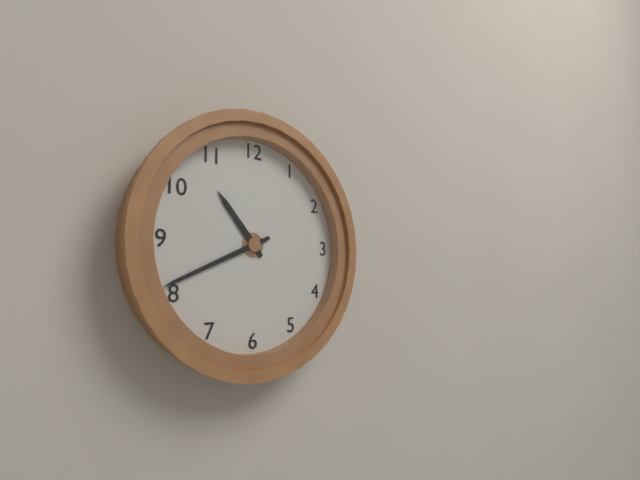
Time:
10.41
